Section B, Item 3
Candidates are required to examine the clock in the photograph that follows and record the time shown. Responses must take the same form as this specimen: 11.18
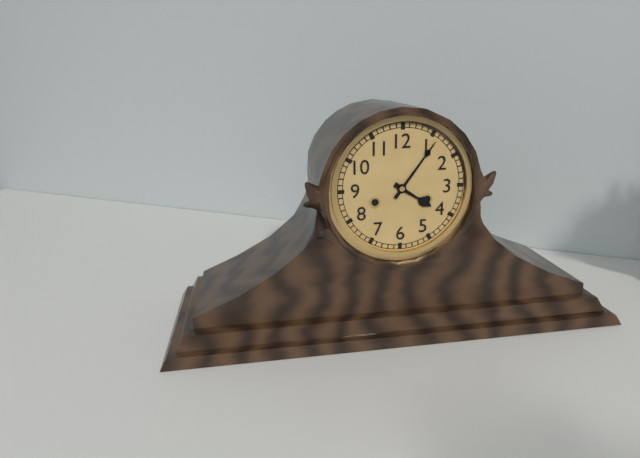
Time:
4.06
